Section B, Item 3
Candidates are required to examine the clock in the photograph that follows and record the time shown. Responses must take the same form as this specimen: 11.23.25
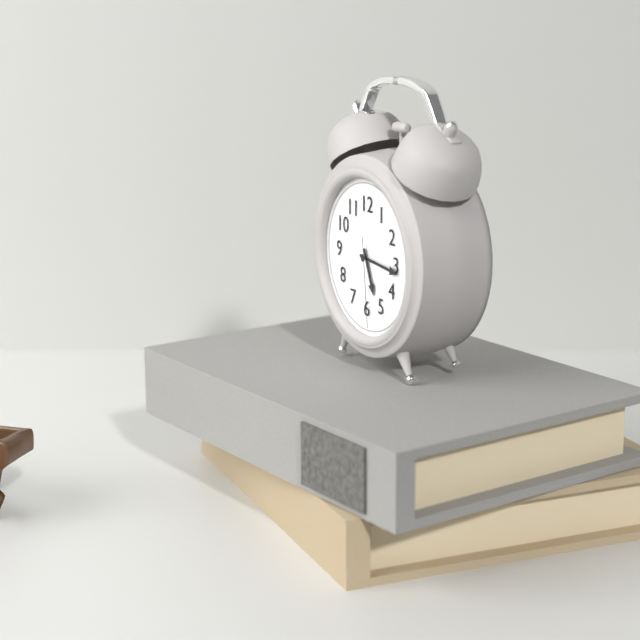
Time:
5.16.29
